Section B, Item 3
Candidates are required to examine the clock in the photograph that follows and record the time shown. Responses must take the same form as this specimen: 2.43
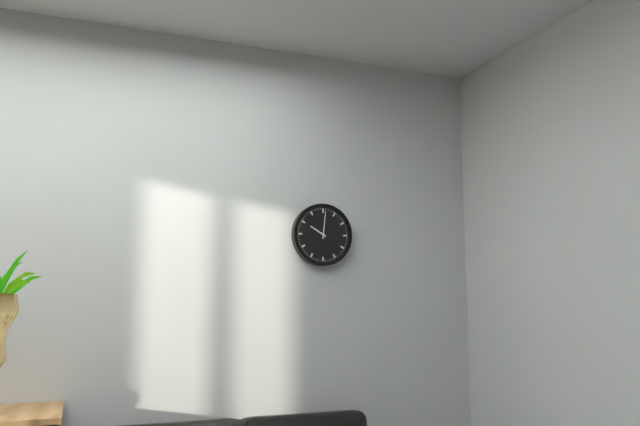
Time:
10.01
